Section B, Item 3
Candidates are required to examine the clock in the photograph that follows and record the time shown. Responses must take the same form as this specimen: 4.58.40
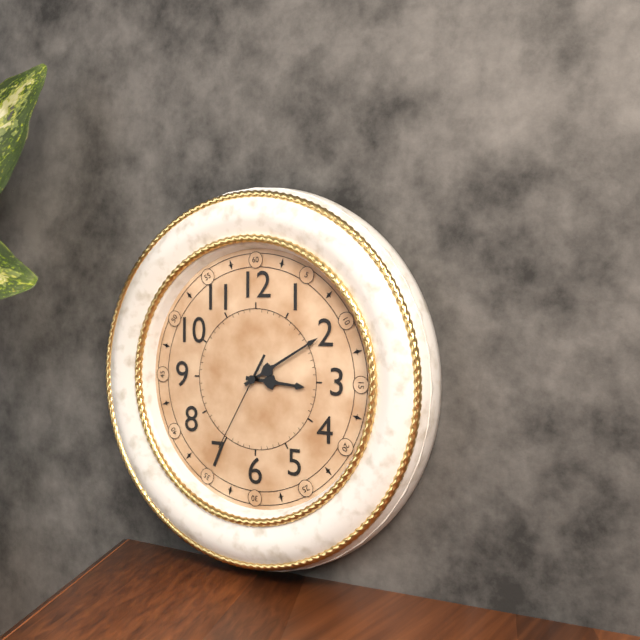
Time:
3.10.35
